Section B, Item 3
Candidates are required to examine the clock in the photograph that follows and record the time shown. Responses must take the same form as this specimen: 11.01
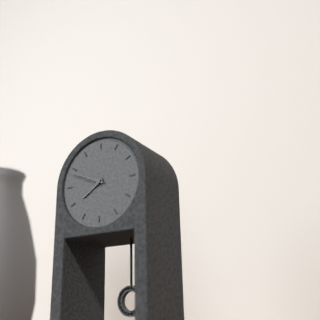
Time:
7.49
